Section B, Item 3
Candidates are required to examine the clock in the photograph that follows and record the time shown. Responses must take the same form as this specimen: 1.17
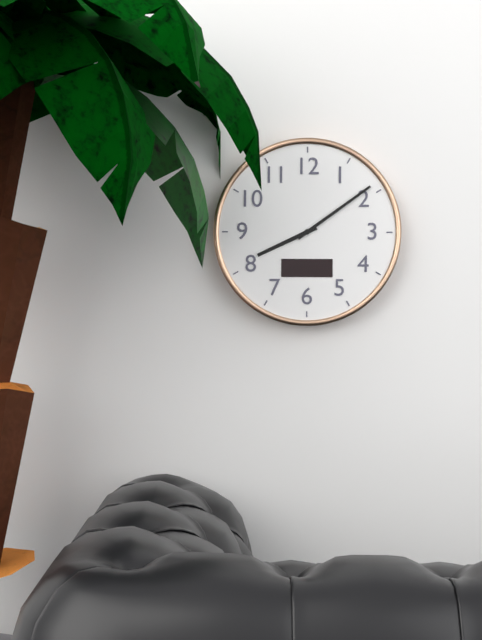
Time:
8.09
